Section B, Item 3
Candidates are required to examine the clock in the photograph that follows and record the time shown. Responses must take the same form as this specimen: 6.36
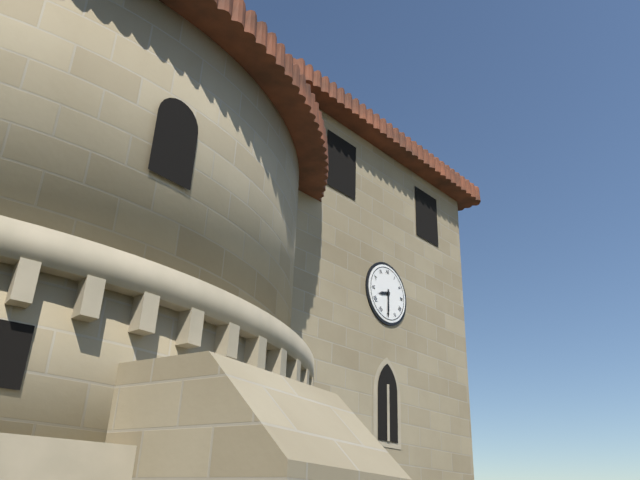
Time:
8.30
